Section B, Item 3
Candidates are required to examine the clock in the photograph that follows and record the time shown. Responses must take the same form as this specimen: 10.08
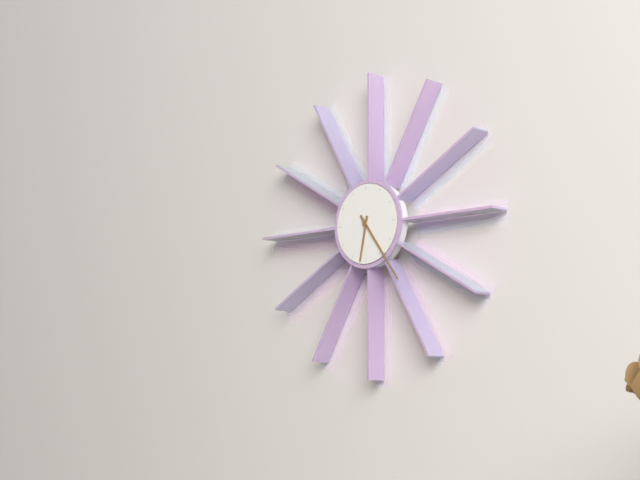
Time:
6.24
